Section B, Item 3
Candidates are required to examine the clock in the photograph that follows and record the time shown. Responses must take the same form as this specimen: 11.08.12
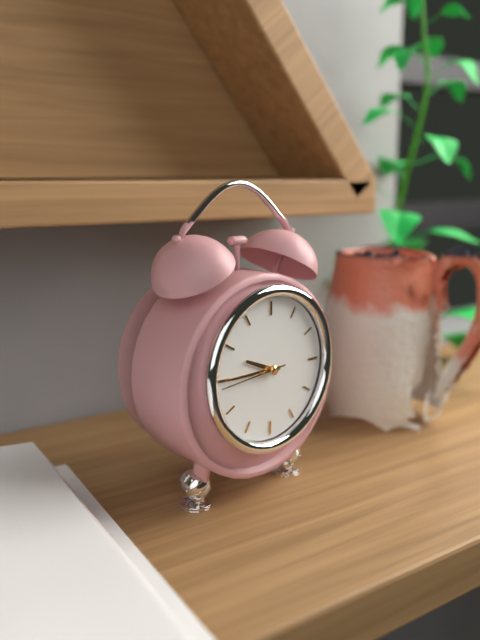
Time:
9.45.44
